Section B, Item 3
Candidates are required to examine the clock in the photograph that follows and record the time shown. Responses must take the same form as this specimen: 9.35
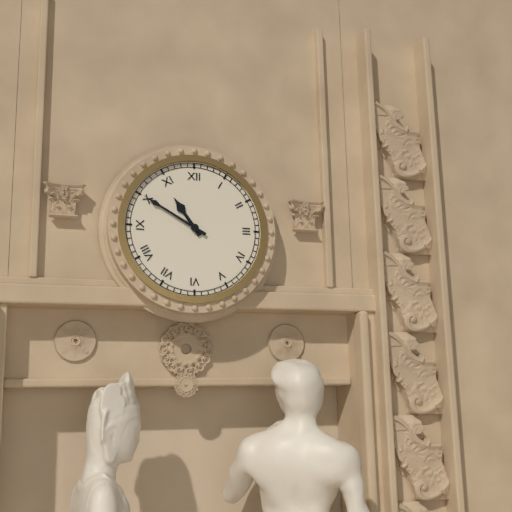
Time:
10.50
